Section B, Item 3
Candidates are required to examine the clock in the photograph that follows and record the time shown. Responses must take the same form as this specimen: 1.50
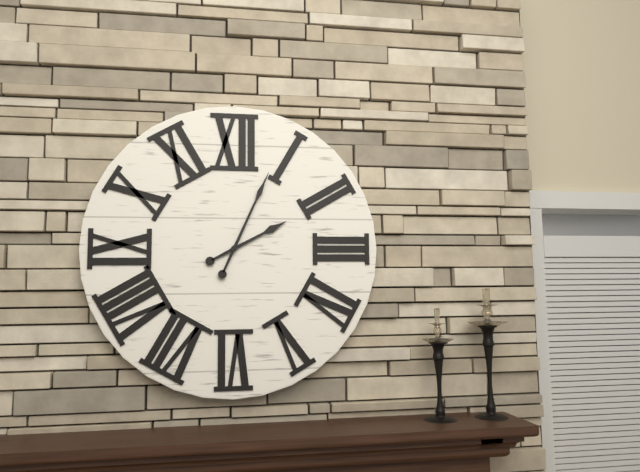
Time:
2.04
